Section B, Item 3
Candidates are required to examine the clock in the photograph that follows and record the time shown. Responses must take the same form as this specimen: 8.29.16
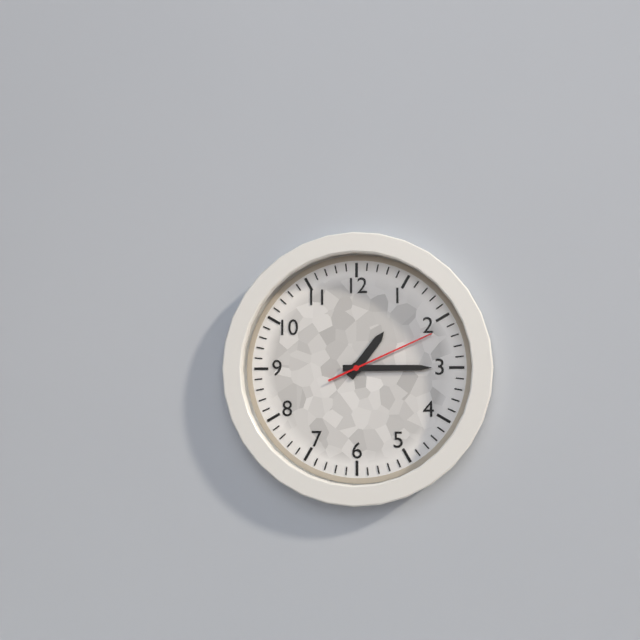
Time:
1.15.11
